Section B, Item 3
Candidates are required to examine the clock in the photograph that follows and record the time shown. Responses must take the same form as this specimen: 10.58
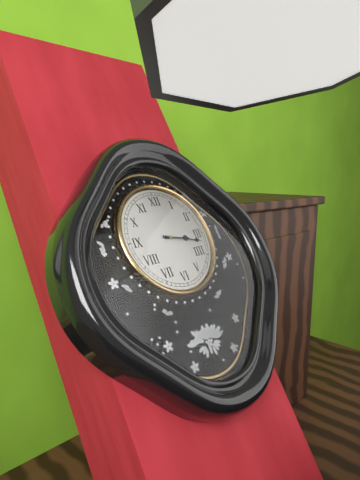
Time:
3.17
